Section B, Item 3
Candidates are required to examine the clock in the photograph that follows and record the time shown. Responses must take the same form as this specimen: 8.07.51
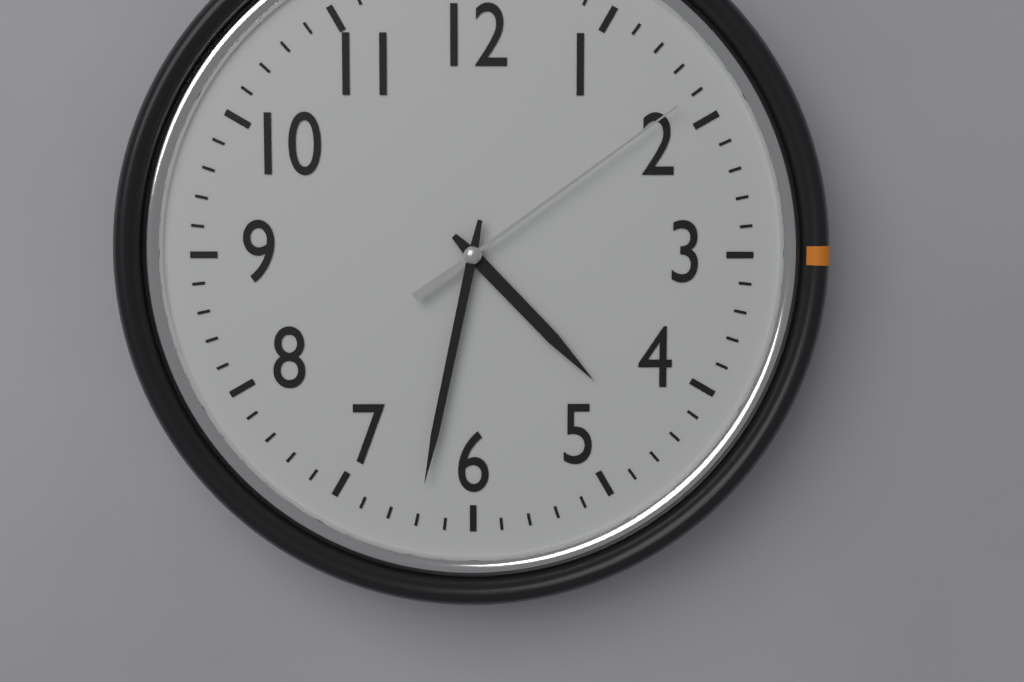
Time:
4.32.09
